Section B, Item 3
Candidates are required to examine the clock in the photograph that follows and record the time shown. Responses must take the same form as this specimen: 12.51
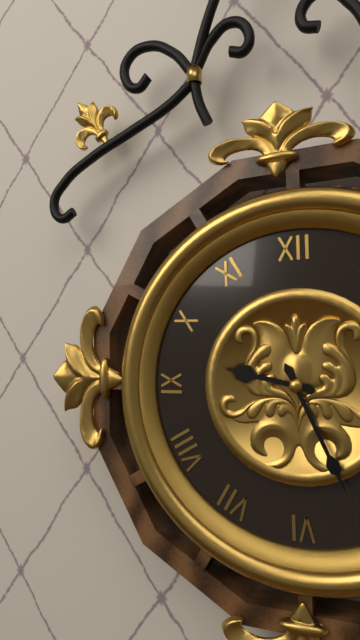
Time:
9.26
